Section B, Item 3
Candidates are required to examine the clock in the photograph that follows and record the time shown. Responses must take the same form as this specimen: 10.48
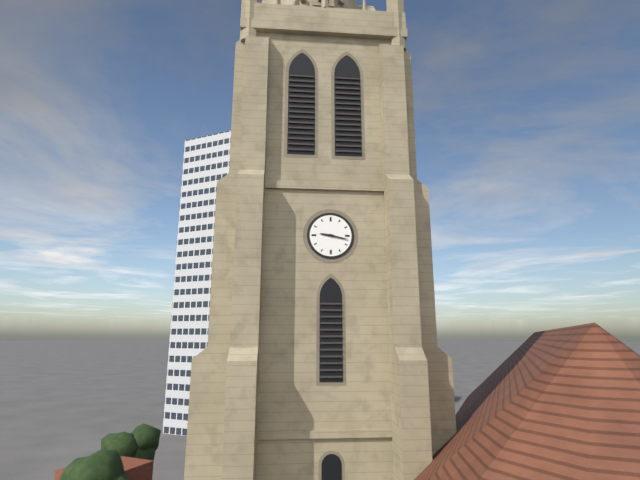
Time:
9.17
